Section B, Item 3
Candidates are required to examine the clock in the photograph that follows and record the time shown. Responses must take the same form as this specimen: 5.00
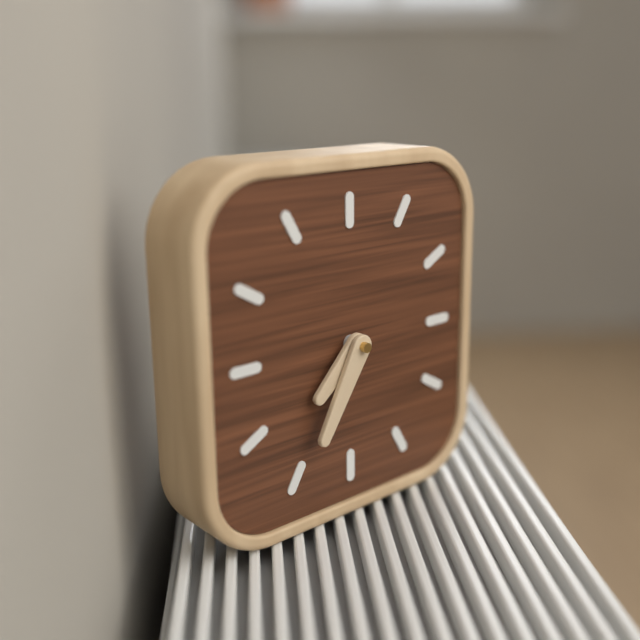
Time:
7.35
